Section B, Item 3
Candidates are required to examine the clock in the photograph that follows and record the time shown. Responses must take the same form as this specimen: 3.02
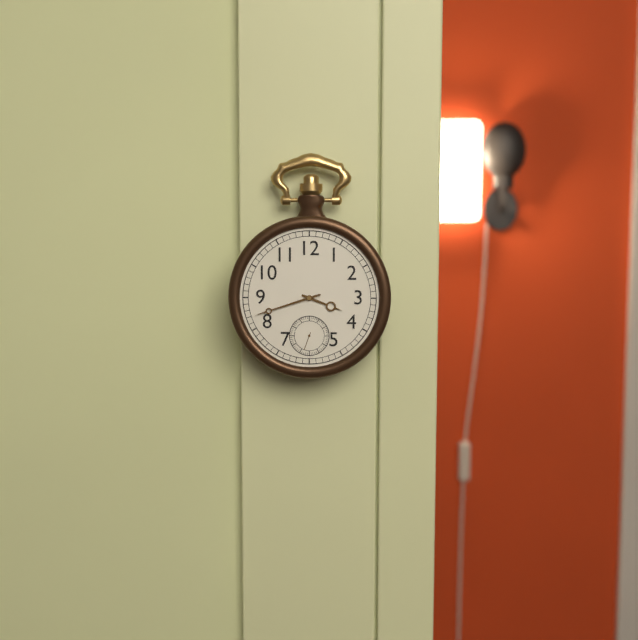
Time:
3.42
